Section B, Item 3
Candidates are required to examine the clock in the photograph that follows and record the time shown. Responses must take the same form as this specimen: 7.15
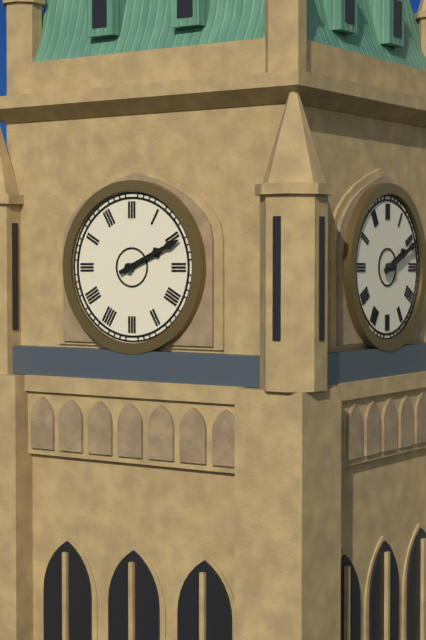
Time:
2.11
